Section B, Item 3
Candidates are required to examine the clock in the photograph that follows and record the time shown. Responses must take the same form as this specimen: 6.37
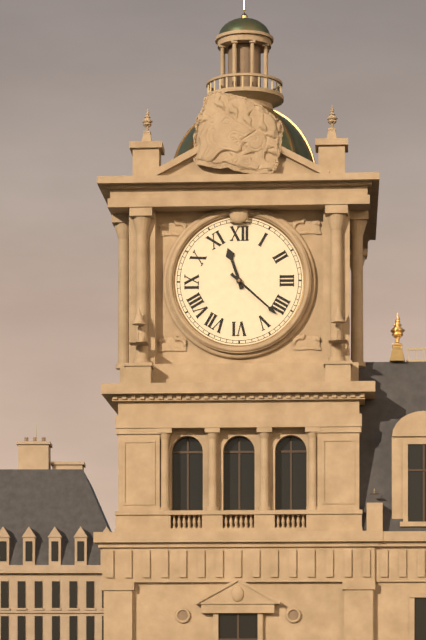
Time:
11.22
